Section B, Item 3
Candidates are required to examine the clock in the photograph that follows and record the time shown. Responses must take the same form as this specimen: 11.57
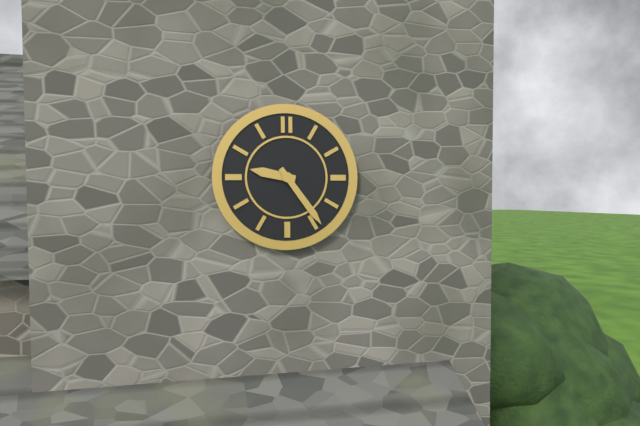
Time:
9.24
